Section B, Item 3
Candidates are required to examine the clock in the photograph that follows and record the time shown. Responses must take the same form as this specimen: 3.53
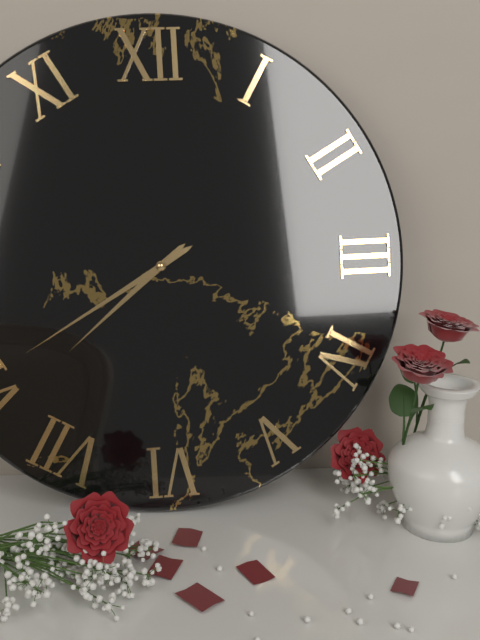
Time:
7.40
